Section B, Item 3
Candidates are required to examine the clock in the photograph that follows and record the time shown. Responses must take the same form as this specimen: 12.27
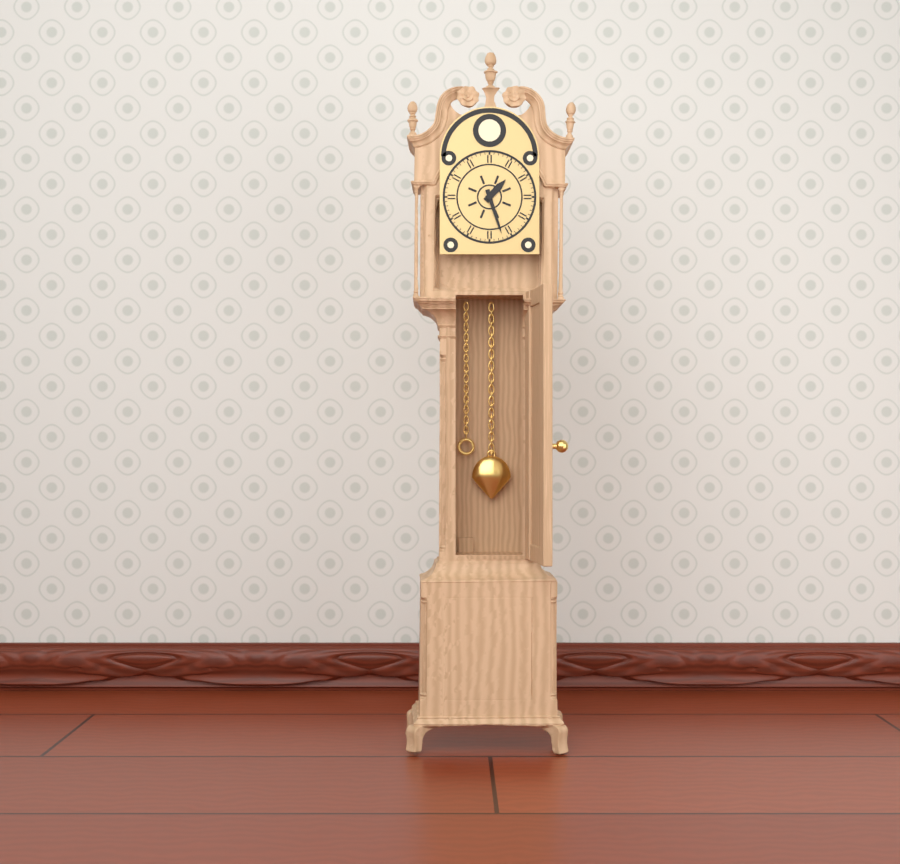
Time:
1.27
